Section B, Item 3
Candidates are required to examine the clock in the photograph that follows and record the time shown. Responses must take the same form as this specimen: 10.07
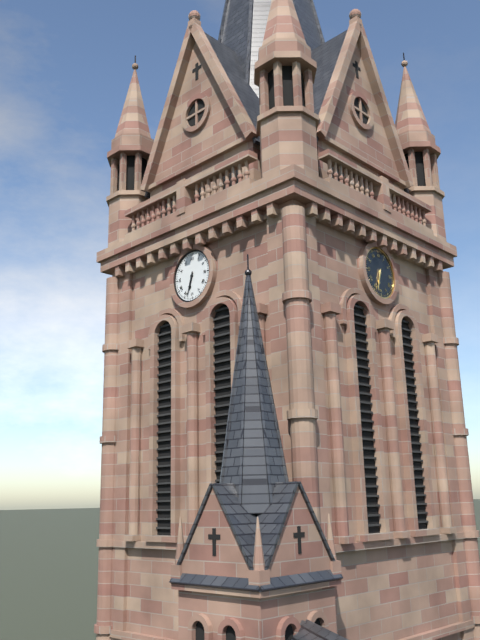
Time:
6.33
